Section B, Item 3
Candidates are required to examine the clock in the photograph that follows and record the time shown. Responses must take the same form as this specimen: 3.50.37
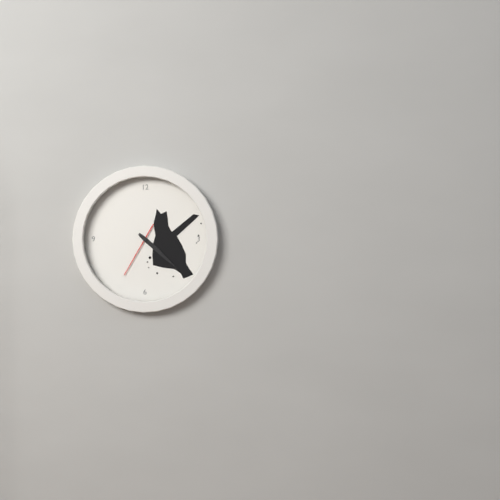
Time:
4.22.35
